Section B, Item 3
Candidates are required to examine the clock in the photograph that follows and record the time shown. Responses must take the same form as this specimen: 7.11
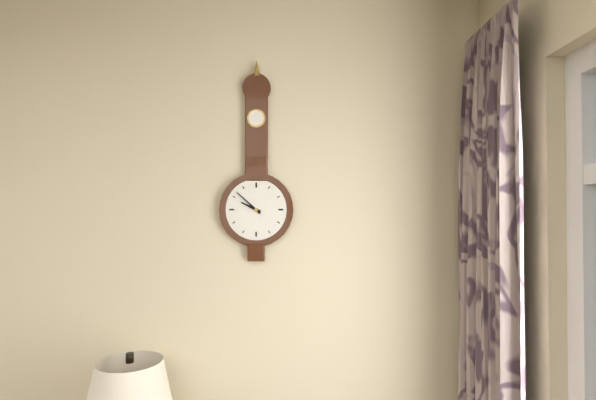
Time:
9.52
